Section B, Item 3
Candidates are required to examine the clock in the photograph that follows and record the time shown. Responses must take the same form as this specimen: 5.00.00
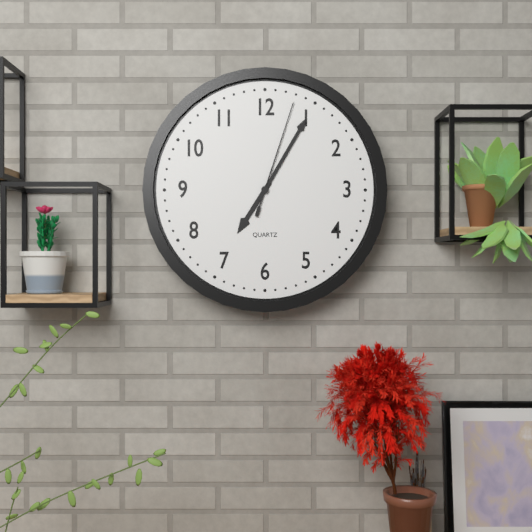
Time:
7.05.03
